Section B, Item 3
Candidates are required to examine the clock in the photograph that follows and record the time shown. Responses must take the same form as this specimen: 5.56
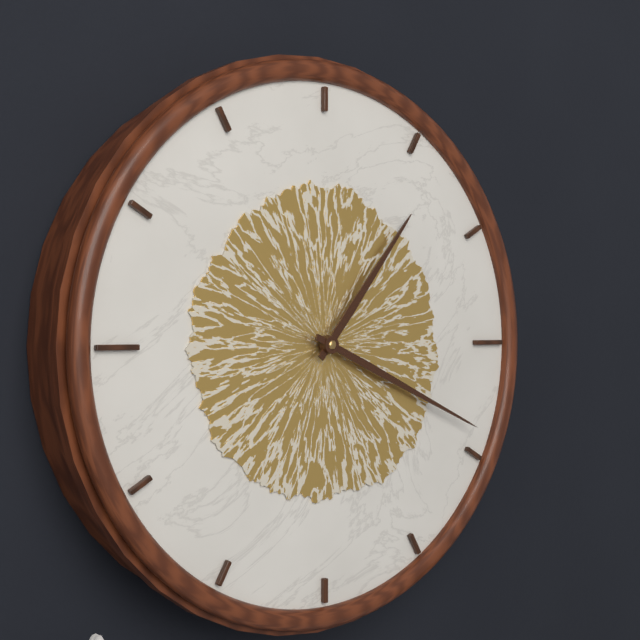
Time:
1.19
